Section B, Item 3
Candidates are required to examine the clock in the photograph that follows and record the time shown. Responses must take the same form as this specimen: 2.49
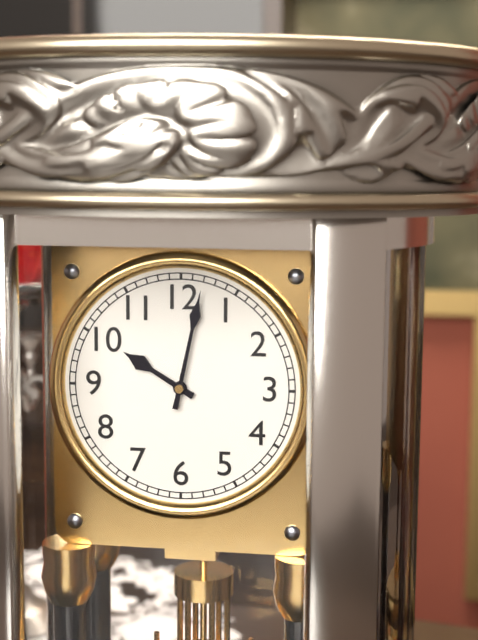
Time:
10.02
